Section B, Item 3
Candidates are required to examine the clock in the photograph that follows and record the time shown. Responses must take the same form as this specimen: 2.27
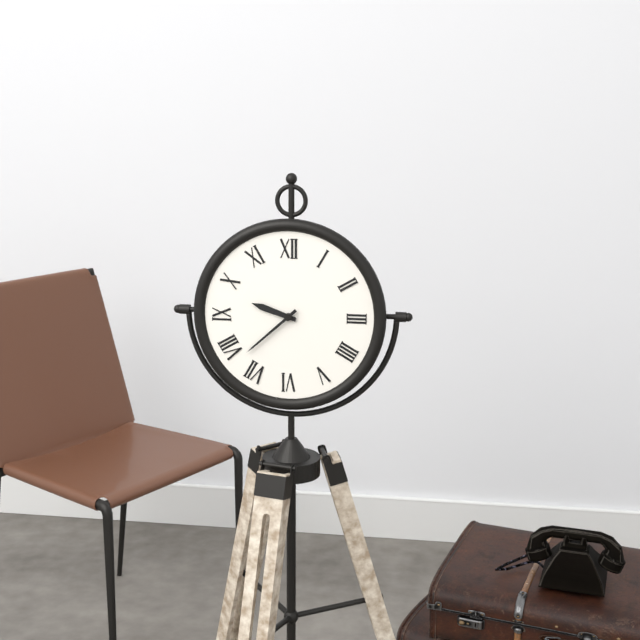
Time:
9.38
